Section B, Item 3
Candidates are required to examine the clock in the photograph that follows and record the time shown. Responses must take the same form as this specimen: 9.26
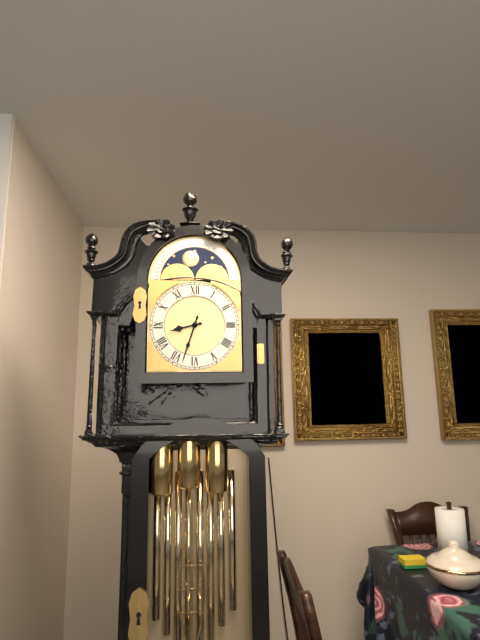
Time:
8.33
